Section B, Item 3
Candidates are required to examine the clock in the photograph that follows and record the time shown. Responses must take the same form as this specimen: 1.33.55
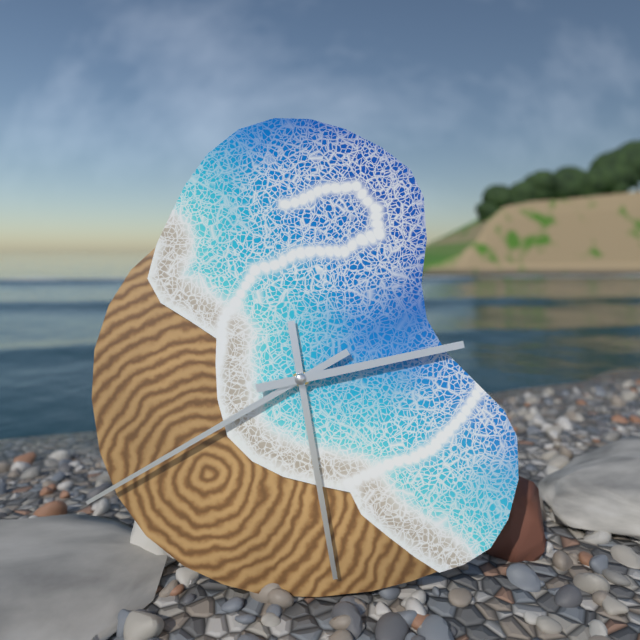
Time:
5.40.13
